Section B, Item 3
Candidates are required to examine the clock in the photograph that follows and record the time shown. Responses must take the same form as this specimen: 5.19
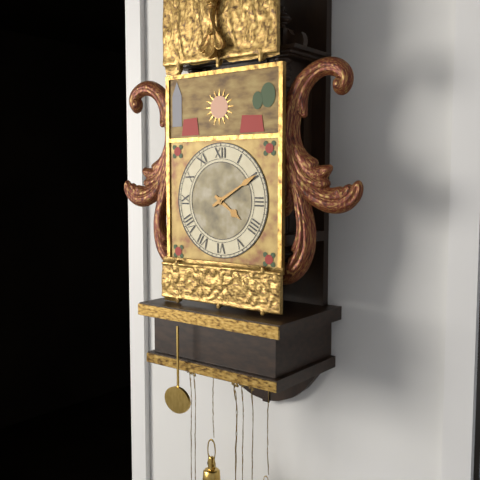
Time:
4.10
